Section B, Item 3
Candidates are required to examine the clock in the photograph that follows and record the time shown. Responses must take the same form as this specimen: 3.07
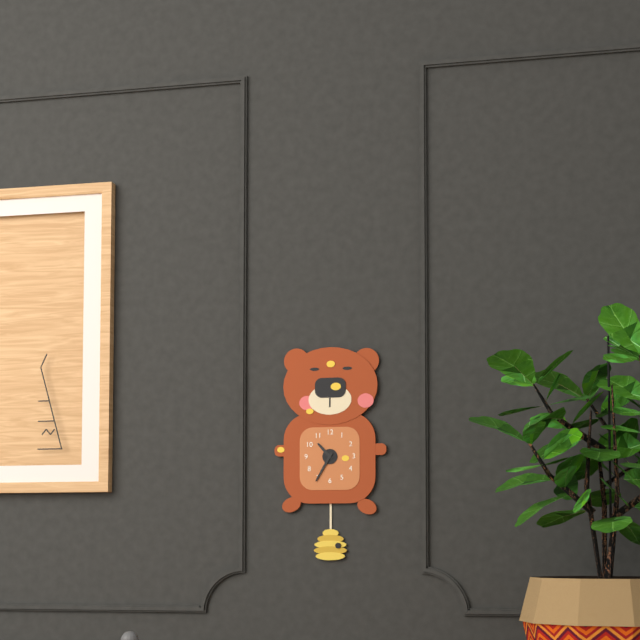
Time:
10.35
